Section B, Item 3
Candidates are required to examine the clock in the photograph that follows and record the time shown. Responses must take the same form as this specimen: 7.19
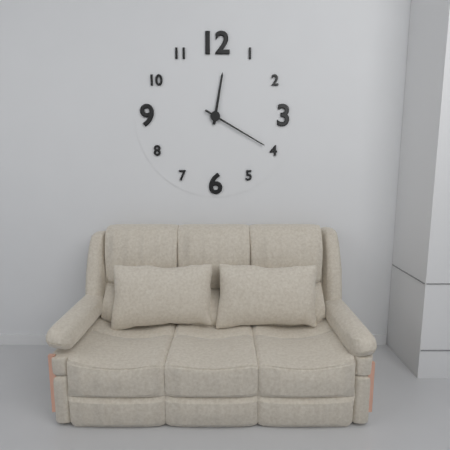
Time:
12.20
